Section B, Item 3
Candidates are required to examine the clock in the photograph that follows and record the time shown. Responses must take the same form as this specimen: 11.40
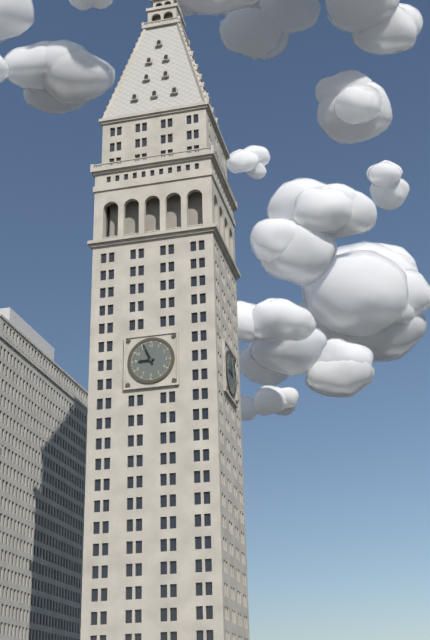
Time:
8.56
